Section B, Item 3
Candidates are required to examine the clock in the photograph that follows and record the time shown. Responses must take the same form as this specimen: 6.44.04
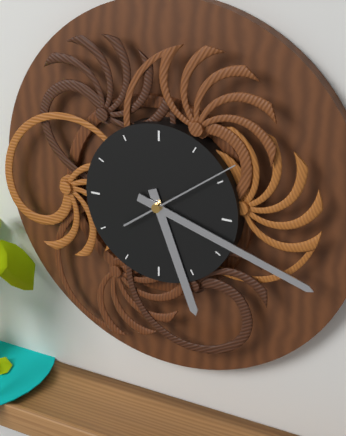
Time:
5.18.09
